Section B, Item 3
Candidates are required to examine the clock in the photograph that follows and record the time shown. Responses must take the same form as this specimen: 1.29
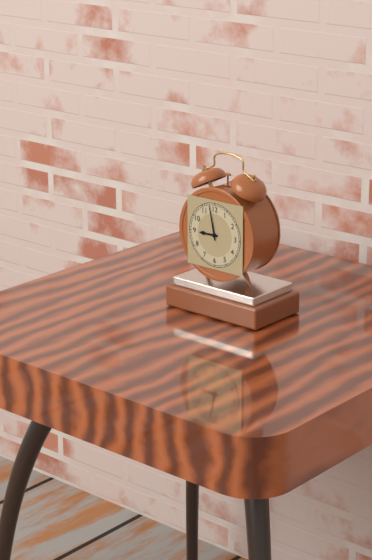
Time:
8.58
